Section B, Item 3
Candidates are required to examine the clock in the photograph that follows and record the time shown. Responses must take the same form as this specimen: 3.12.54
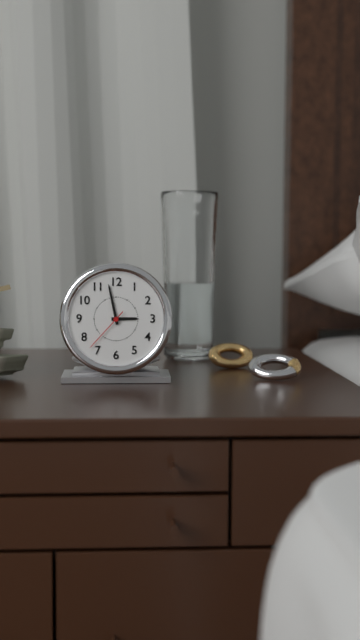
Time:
2.58.37
